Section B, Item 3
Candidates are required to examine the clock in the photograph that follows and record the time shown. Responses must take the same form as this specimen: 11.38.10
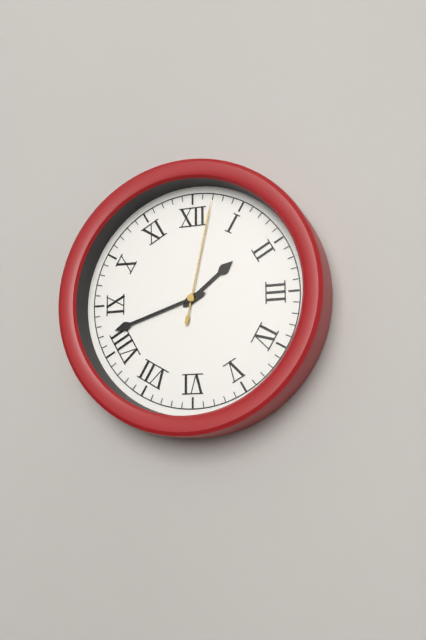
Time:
1.42.02
